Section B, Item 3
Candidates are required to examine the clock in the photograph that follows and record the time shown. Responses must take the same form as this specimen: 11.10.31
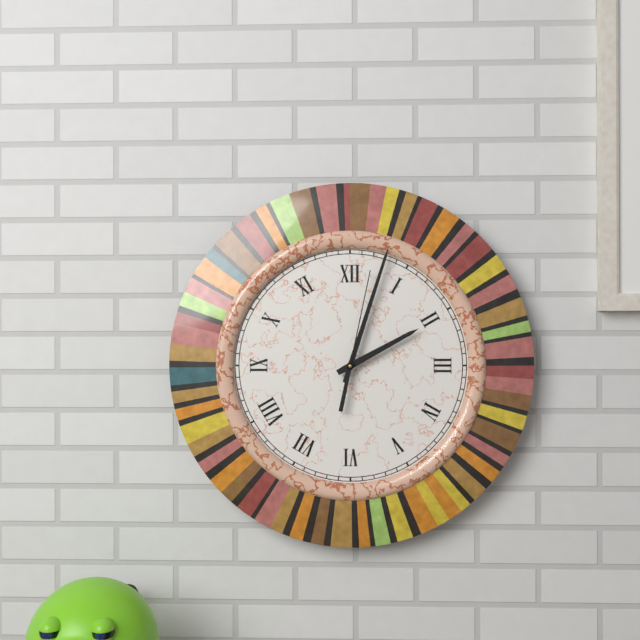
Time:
2.03.02
